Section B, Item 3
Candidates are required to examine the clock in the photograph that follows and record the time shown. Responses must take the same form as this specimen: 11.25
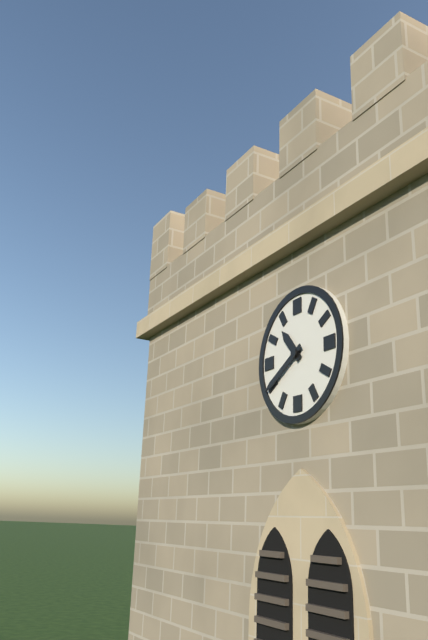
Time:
10.40
